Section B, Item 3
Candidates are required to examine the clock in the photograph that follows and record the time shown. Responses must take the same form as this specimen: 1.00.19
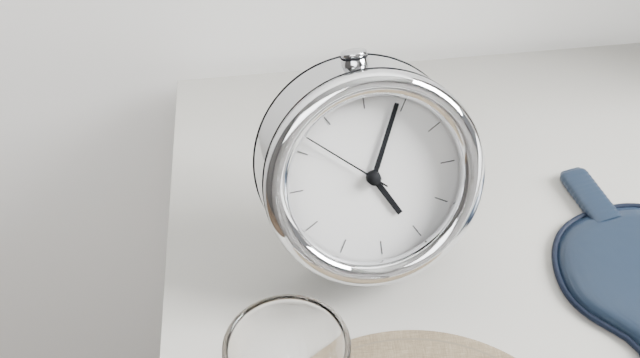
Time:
5.04.52
